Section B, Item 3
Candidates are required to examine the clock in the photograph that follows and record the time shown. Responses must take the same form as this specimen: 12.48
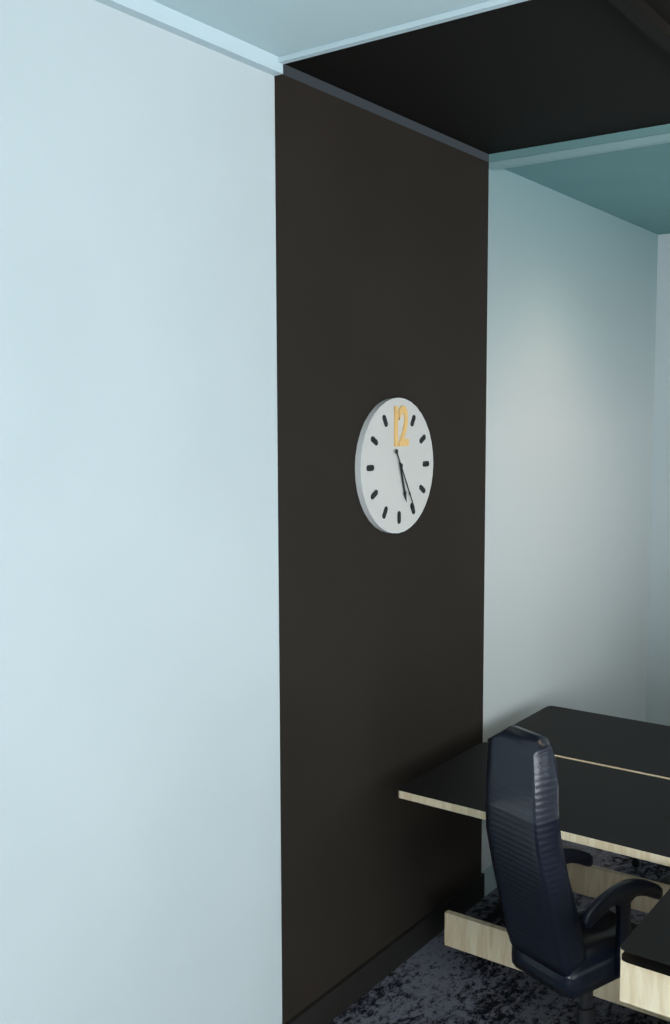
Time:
5.25
